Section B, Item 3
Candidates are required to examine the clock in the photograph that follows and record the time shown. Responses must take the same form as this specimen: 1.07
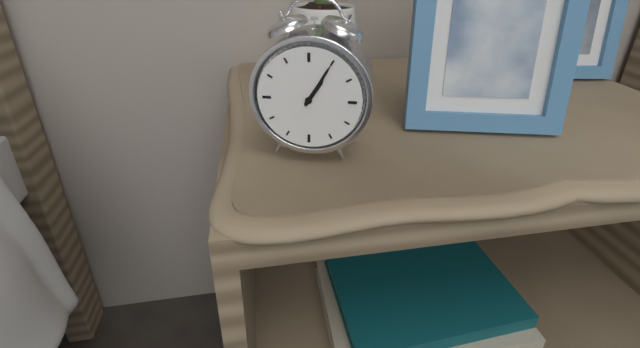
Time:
1.05
